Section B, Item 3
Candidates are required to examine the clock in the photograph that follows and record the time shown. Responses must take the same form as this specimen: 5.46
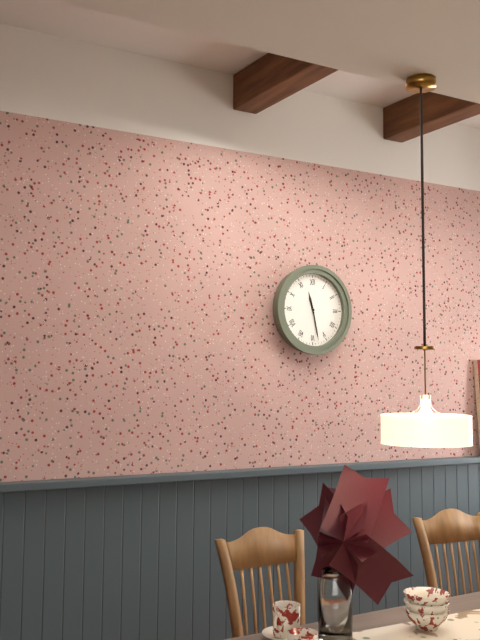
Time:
11.28
